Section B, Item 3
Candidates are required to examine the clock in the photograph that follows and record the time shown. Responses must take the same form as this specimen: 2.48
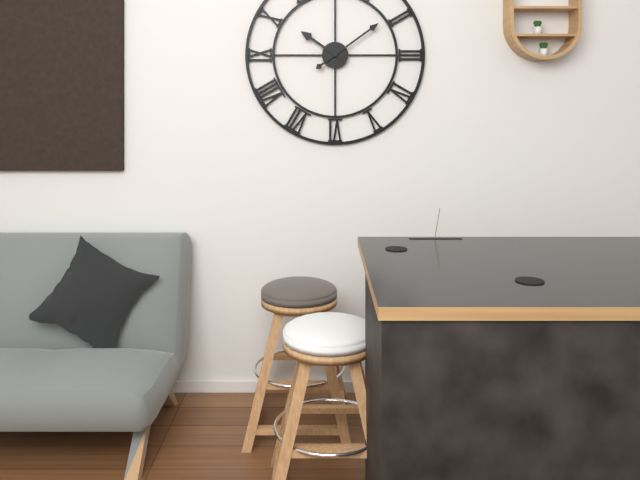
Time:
10.09
